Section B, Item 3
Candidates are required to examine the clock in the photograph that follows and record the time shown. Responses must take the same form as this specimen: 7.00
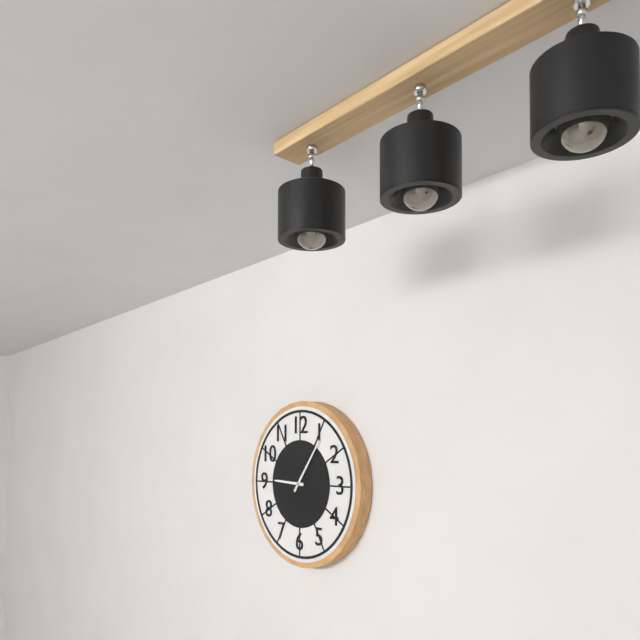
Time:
9.06
